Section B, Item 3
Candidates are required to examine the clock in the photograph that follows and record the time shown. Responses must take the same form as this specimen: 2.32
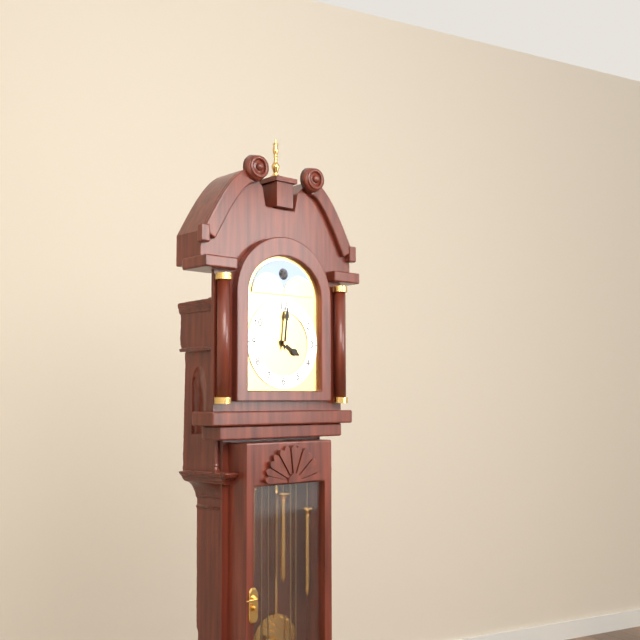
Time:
4.01
